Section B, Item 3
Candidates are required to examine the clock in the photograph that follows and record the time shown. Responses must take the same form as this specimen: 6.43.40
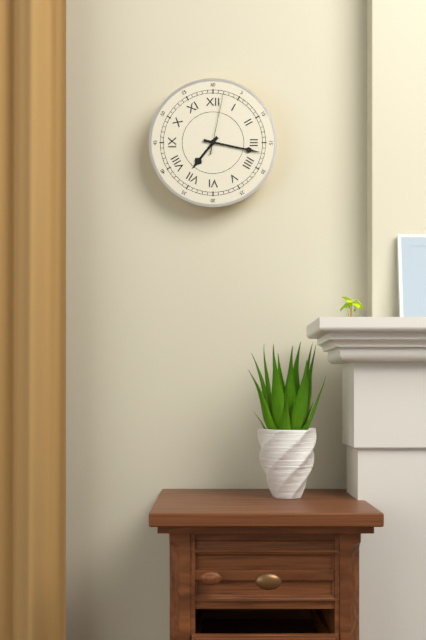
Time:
7.17.02
